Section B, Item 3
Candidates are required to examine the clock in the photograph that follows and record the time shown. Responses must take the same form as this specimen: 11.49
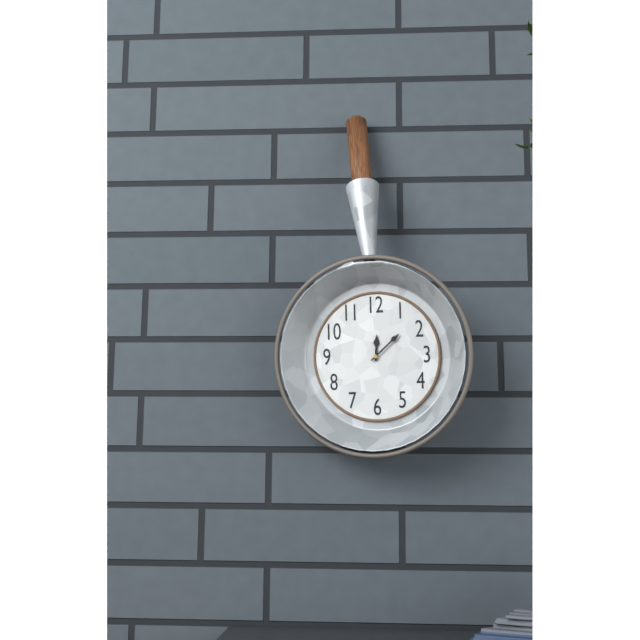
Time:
12.08
